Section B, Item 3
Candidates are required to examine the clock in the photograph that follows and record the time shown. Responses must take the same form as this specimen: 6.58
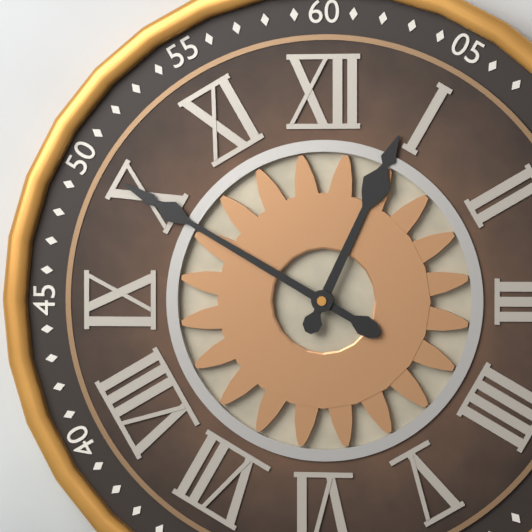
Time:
12.50
